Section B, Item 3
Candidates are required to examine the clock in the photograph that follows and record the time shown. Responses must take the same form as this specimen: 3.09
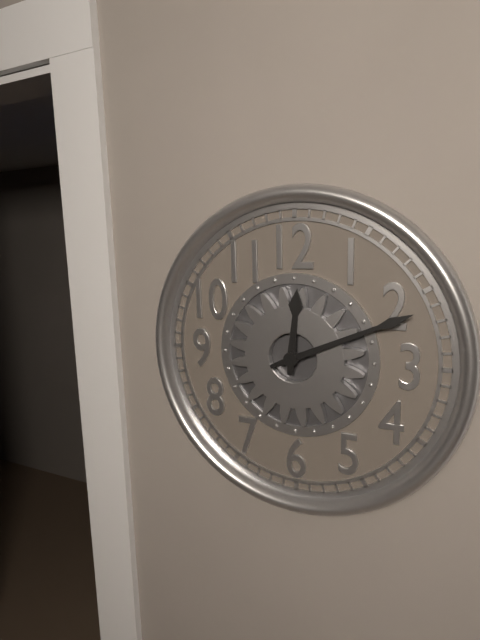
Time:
12.11
